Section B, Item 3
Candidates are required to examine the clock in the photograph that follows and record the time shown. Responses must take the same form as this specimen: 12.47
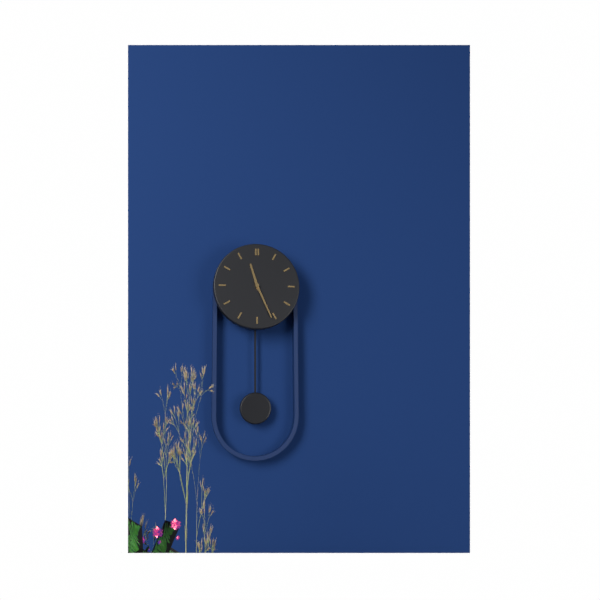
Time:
11.26
